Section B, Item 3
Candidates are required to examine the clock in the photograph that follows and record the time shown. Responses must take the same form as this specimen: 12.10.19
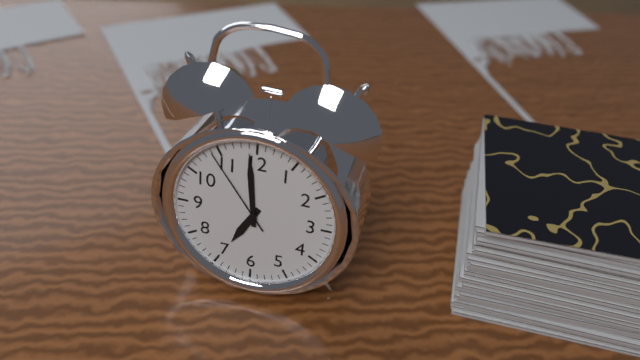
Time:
6.59.54
